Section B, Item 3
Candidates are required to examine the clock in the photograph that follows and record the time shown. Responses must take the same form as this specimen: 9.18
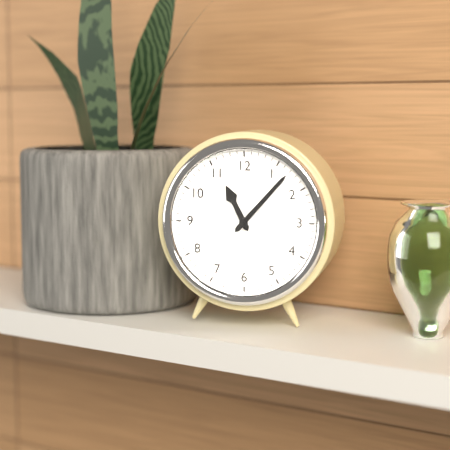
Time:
11.07
